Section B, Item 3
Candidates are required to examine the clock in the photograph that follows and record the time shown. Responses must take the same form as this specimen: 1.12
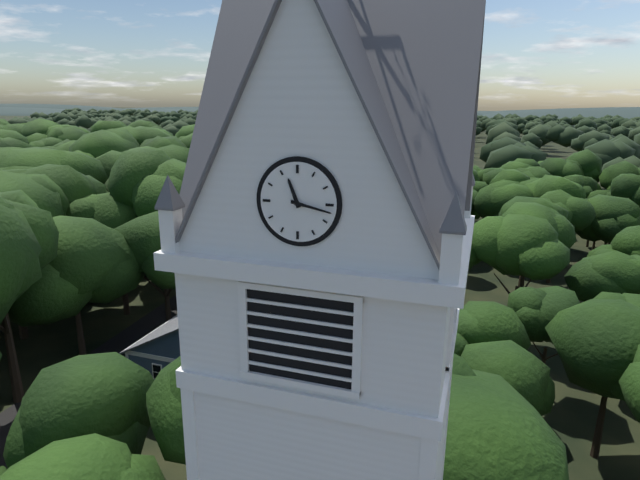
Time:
11.17
